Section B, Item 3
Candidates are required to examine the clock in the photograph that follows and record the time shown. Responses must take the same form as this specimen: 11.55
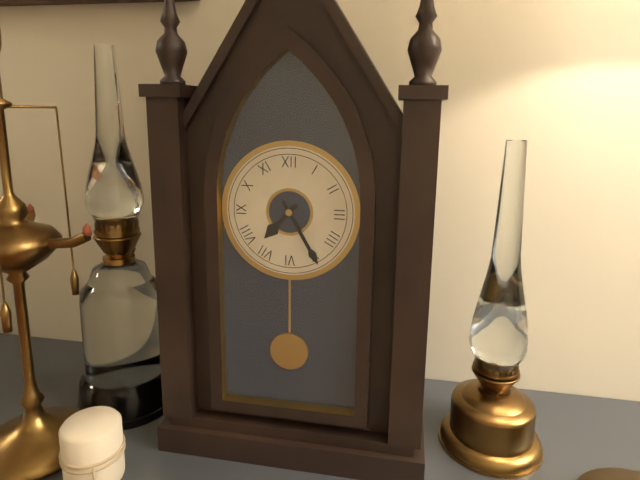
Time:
7.25
